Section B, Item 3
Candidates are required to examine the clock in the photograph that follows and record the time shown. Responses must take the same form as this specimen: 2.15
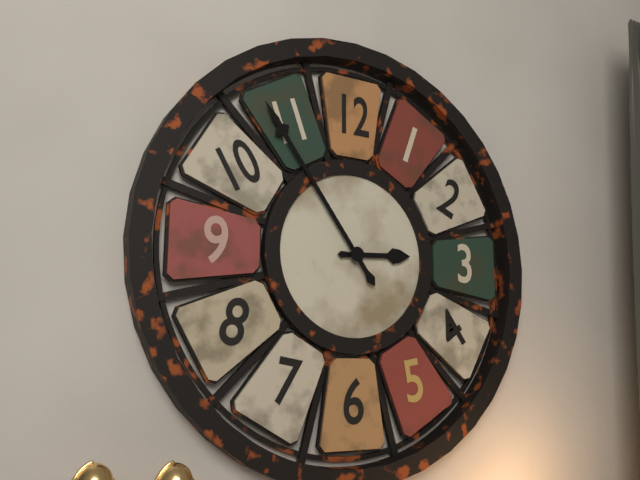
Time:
2.54
